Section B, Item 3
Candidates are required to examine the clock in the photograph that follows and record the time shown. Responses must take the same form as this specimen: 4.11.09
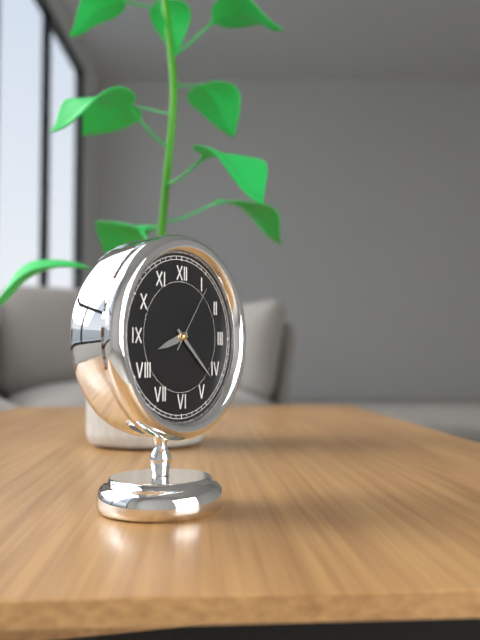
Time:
8.22.06
